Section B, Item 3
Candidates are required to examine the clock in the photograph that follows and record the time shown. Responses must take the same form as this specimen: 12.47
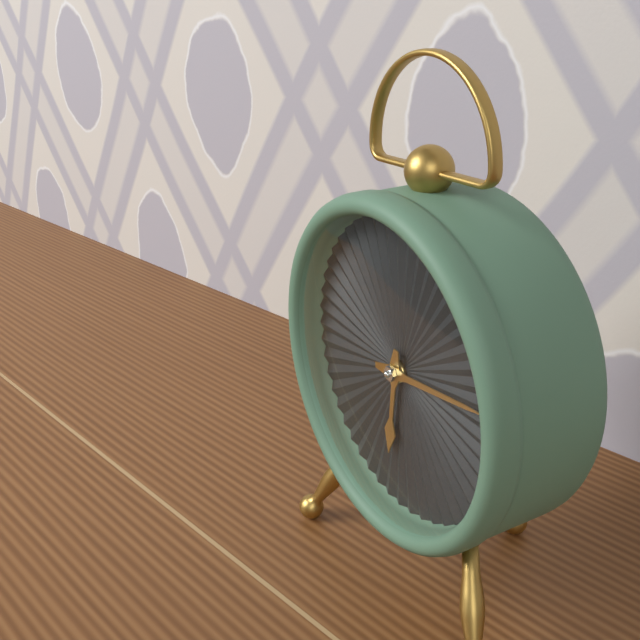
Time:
6.14
